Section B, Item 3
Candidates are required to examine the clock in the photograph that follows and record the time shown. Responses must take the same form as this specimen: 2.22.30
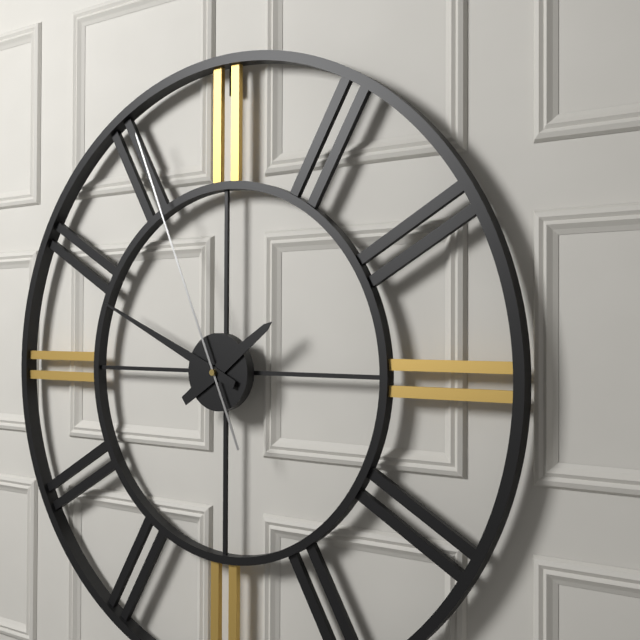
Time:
1.49.56
